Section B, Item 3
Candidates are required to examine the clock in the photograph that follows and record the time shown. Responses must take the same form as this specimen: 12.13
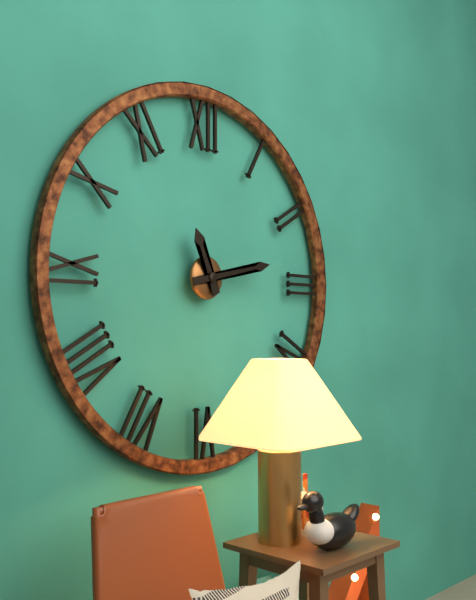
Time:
11.13
